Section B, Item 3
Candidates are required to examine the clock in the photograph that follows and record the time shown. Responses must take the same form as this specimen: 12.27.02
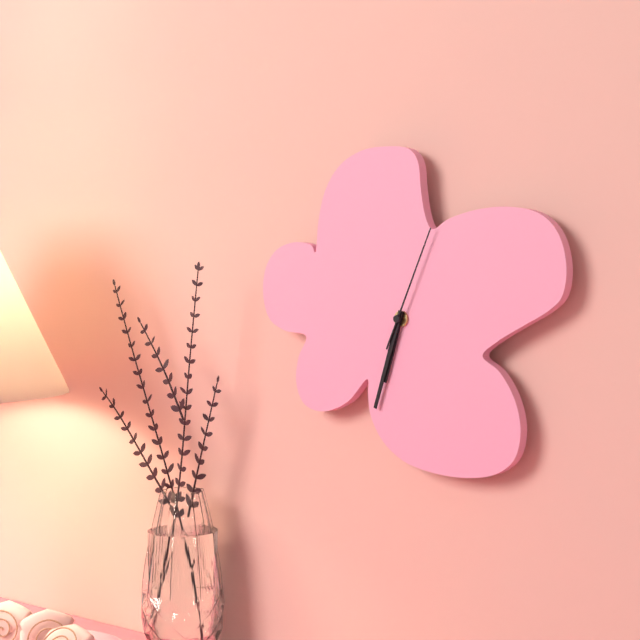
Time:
6.33.04
